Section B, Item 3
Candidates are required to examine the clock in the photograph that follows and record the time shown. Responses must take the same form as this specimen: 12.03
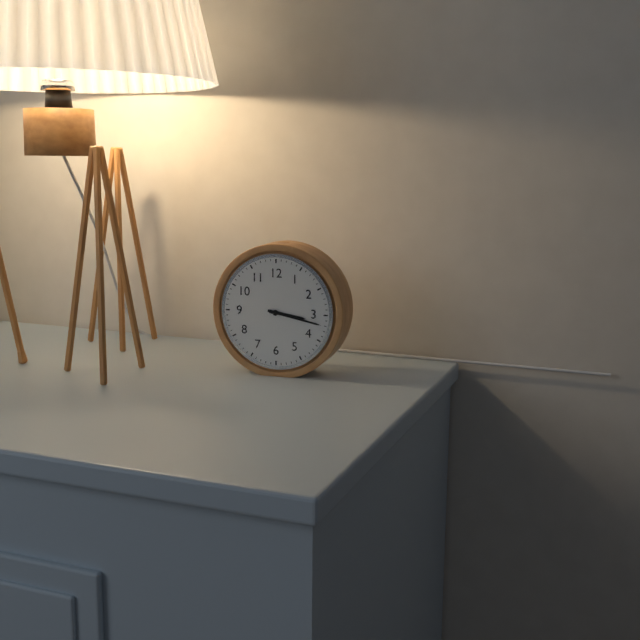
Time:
3.17
